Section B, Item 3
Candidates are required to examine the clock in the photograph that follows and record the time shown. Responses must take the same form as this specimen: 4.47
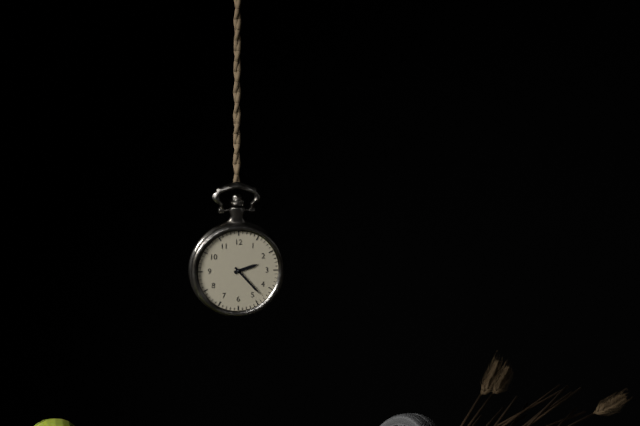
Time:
2.23
